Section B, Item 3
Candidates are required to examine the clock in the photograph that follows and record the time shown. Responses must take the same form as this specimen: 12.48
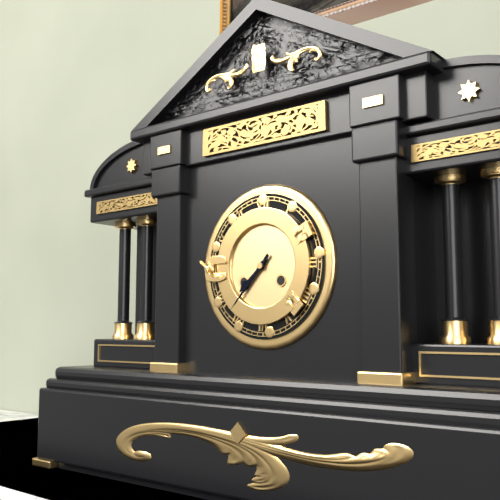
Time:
7.37
